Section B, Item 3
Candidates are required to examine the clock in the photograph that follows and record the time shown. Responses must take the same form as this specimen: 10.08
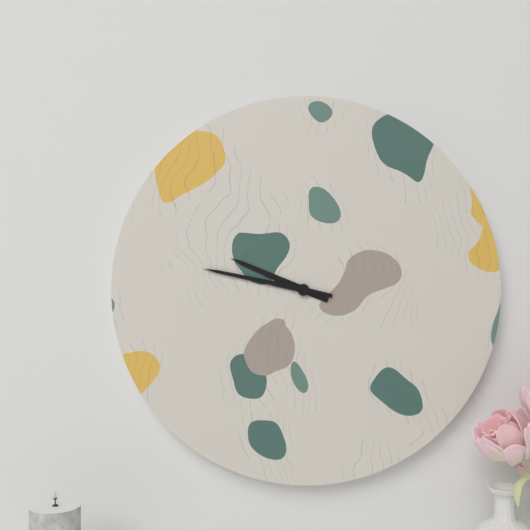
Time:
9.47
